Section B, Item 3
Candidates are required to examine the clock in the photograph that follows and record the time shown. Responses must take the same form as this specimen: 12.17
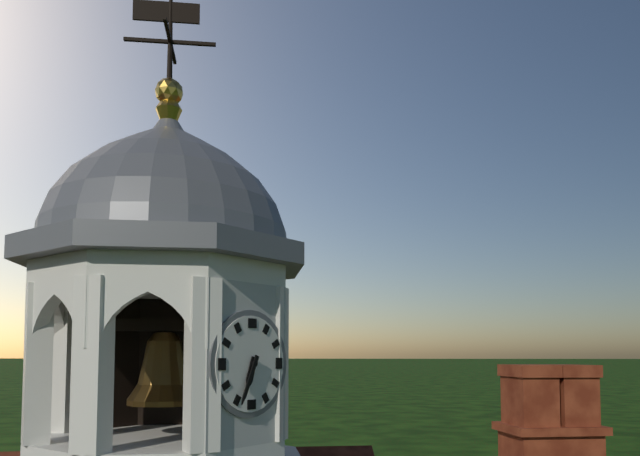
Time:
6.34
